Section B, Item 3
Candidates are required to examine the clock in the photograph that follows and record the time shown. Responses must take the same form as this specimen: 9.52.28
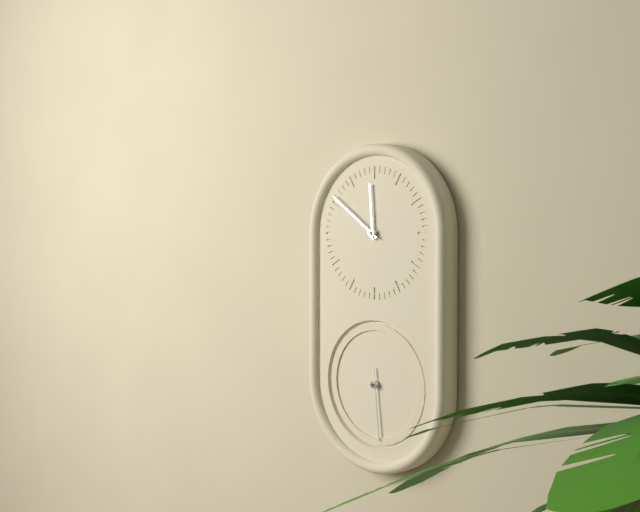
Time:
11.51.29
